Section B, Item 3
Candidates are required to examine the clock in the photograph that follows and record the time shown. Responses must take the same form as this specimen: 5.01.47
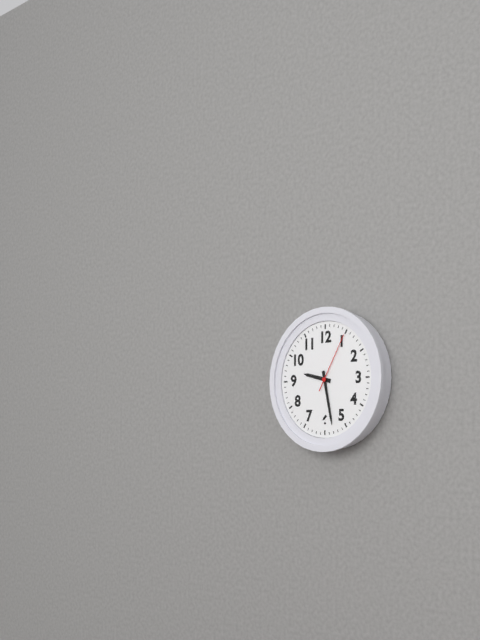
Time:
9.28.05
